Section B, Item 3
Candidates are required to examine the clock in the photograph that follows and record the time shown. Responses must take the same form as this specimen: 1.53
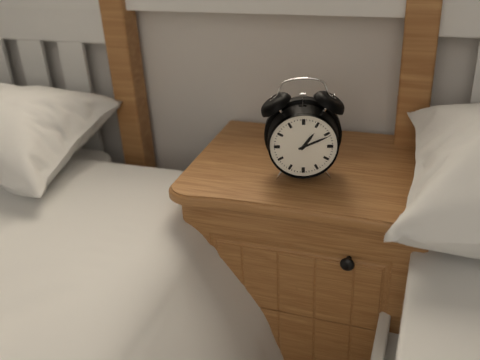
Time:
1.11
